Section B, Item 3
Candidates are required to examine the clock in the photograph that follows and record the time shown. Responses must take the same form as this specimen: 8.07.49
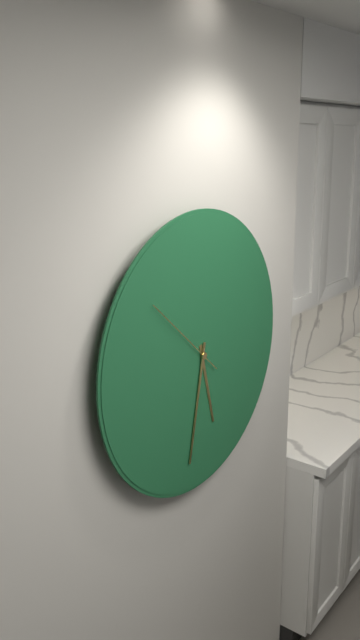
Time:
5.32.52
